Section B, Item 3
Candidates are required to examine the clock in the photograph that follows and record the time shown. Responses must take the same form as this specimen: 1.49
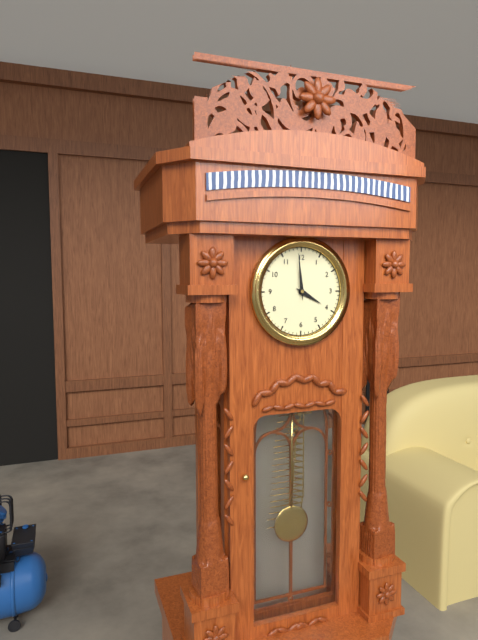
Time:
3.59
